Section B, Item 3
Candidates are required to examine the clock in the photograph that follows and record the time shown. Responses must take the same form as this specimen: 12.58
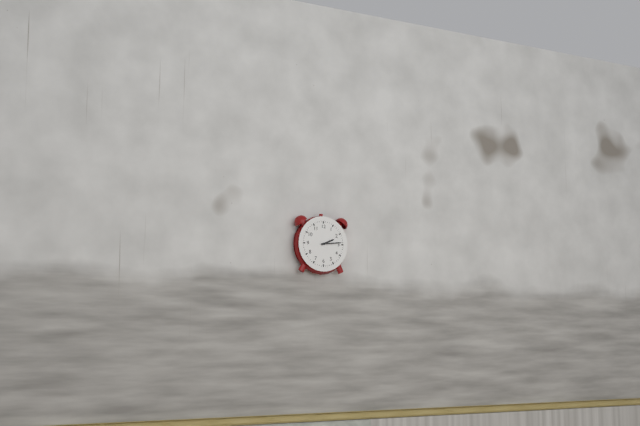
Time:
2.14
